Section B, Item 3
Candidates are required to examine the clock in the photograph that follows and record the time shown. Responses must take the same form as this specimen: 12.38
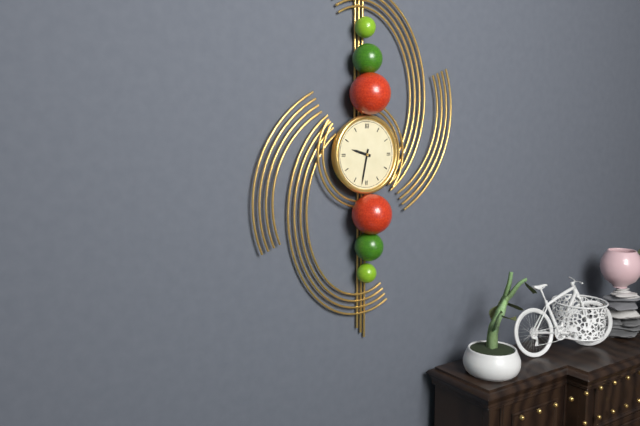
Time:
9.32
